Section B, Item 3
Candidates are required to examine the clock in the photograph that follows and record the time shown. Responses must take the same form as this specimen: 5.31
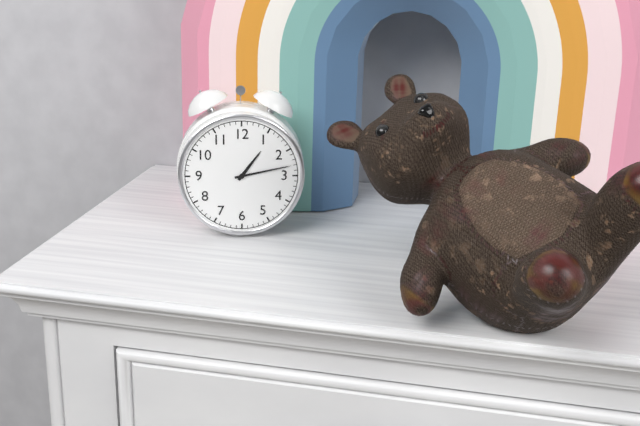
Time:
1.13
